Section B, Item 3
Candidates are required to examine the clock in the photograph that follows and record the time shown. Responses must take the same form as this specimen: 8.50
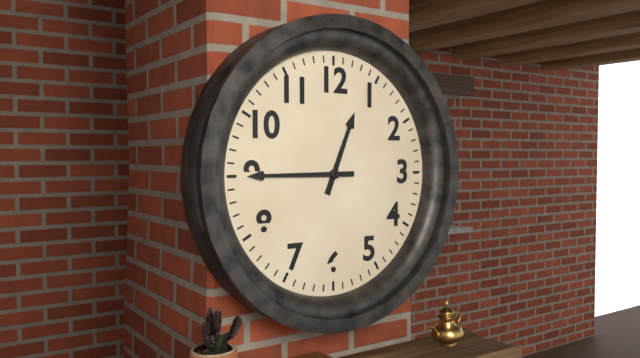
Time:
12.45
